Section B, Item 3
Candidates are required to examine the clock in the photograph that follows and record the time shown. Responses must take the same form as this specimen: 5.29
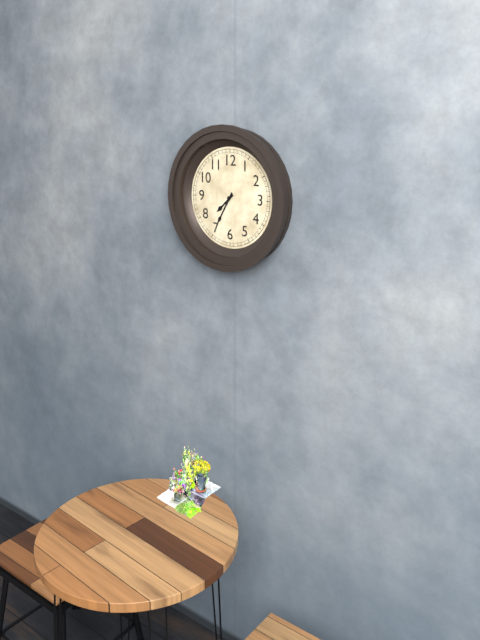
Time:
7.35
